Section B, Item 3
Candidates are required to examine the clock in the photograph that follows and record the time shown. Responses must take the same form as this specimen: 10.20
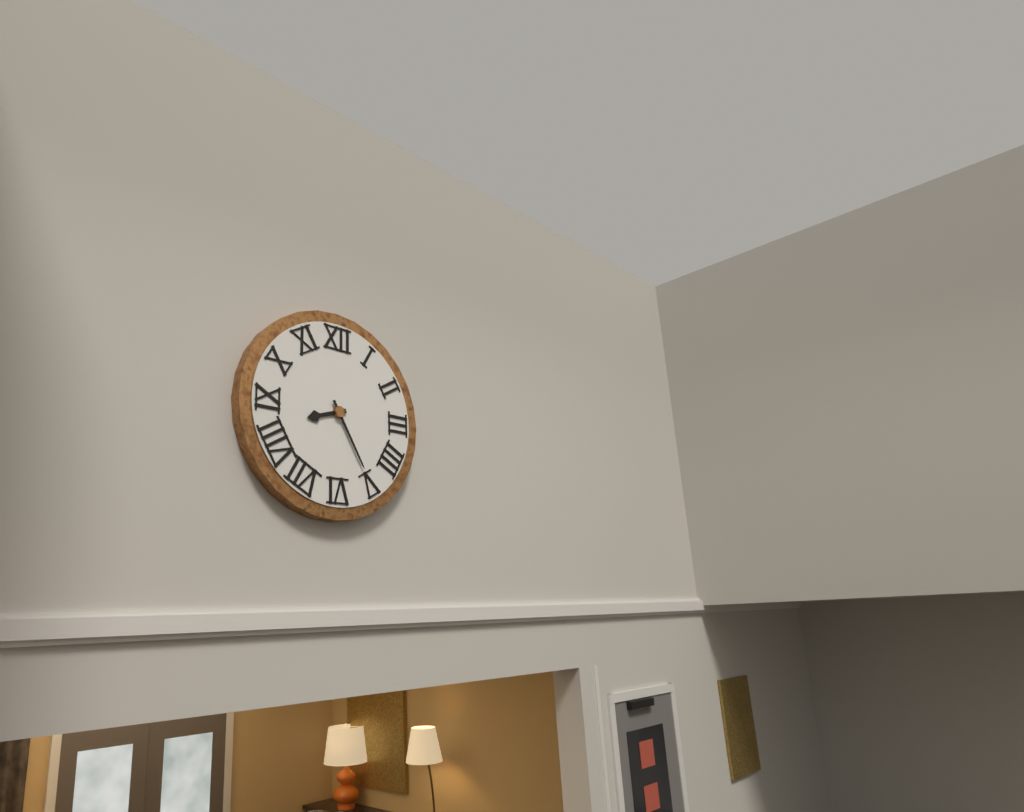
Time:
8.25
